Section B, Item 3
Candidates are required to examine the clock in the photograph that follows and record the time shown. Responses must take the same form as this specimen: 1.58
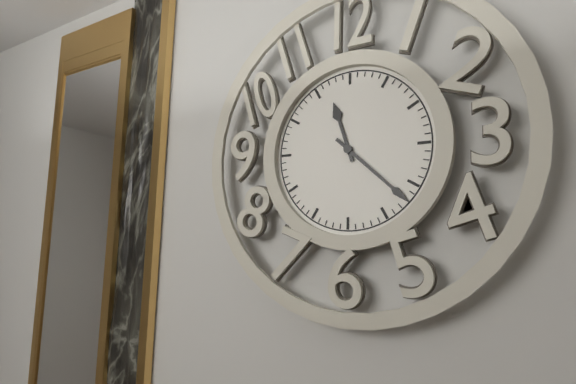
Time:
11.22
